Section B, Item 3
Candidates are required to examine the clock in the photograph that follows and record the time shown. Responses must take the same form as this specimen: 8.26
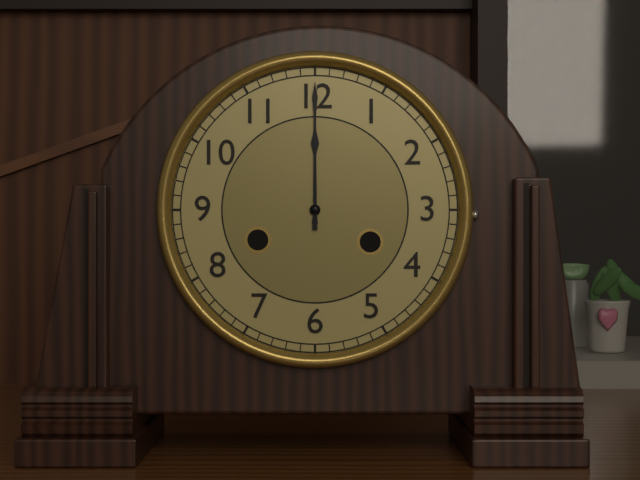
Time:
12.00
